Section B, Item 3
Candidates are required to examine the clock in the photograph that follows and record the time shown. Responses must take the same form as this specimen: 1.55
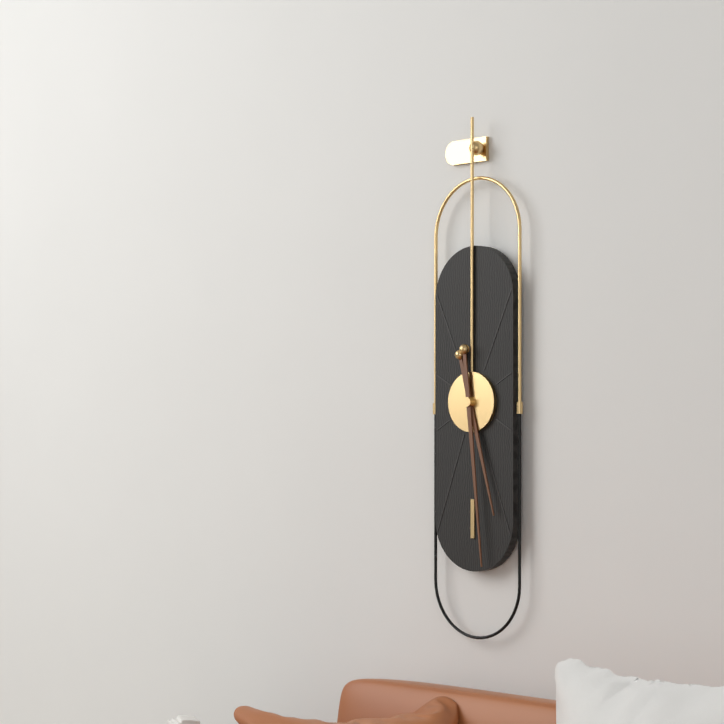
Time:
5.29
